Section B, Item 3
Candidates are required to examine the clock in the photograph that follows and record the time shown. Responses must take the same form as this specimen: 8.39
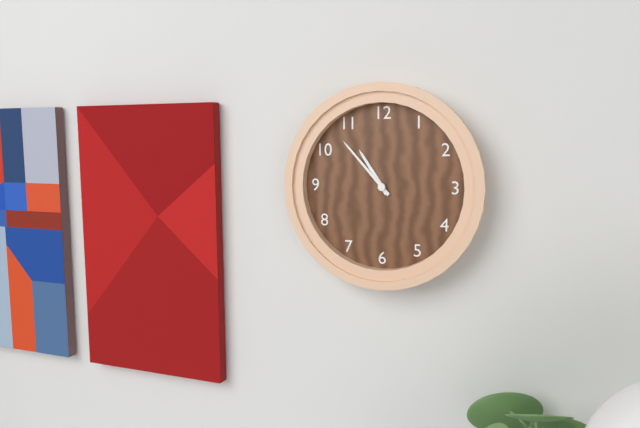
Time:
10.53
